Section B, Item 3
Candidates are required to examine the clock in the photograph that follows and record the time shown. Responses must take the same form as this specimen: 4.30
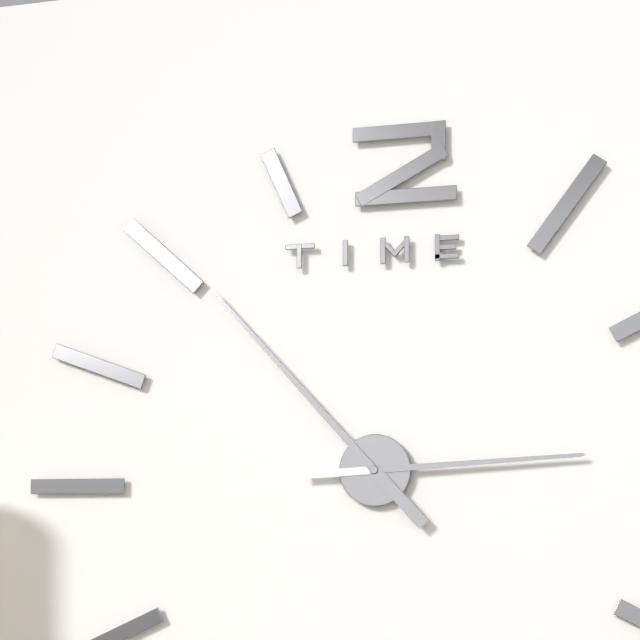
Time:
2.53
